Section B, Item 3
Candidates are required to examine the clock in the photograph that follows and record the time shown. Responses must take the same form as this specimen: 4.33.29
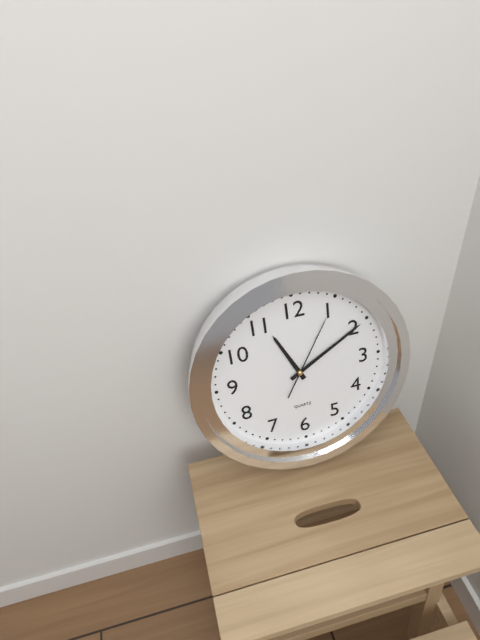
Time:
11.10.05
